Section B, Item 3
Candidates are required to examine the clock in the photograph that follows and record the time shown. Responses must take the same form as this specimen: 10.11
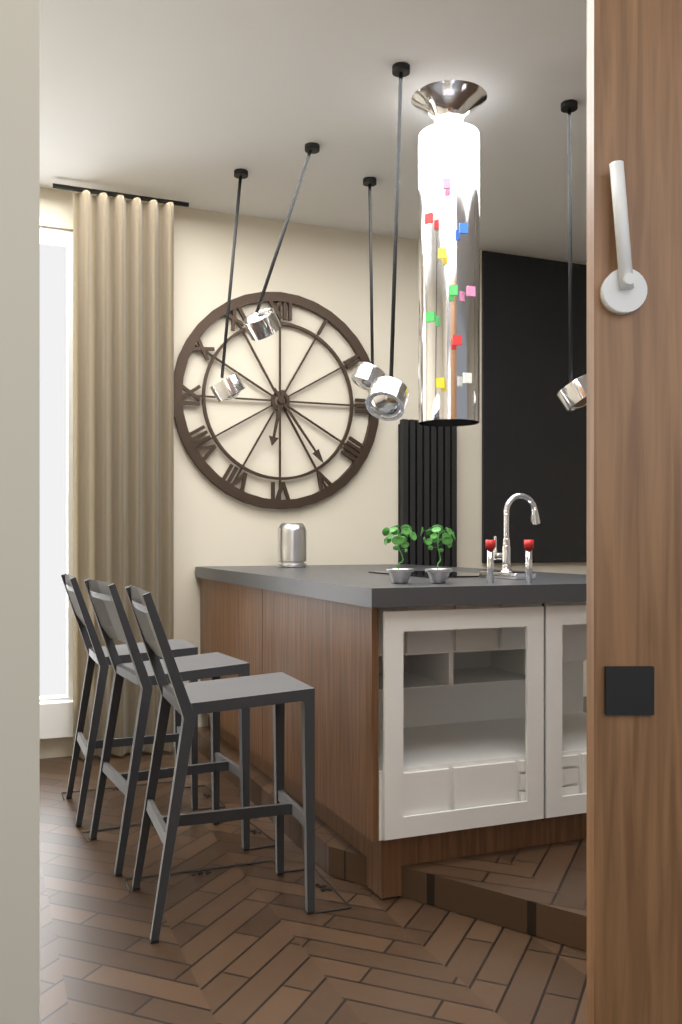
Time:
6.24
